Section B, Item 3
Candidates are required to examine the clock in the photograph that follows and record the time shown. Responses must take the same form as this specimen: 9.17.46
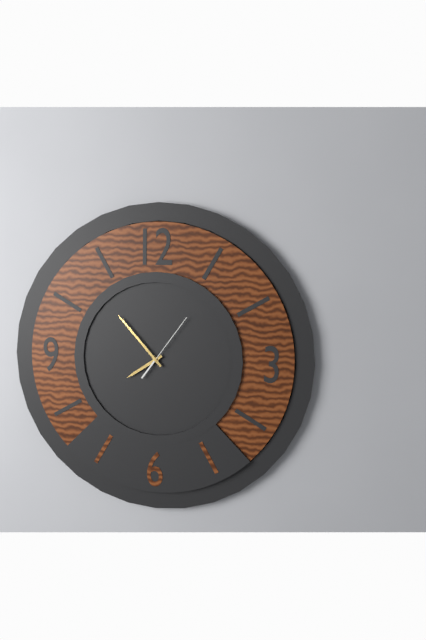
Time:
7.53.06
